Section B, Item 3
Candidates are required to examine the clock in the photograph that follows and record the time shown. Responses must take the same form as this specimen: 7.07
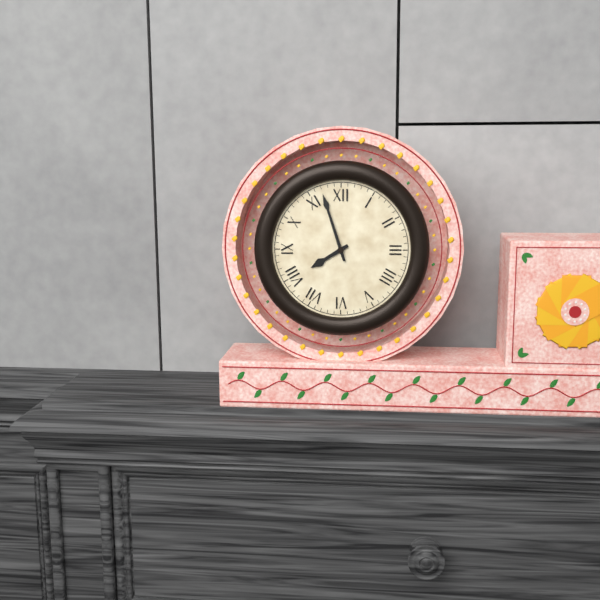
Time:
7.57
